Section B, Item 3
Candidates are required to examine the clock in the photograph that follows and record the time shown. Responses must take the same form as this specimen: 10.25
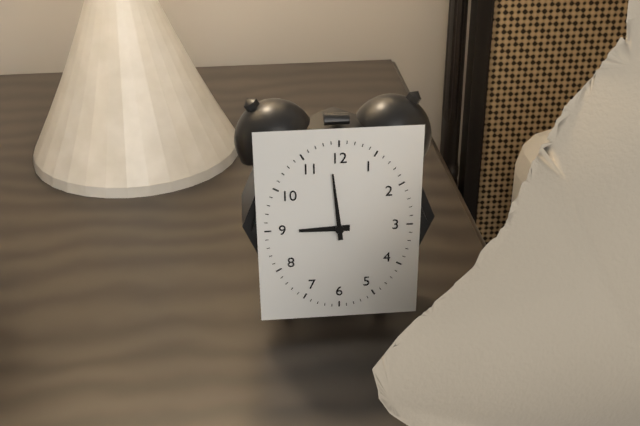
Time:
8.59
